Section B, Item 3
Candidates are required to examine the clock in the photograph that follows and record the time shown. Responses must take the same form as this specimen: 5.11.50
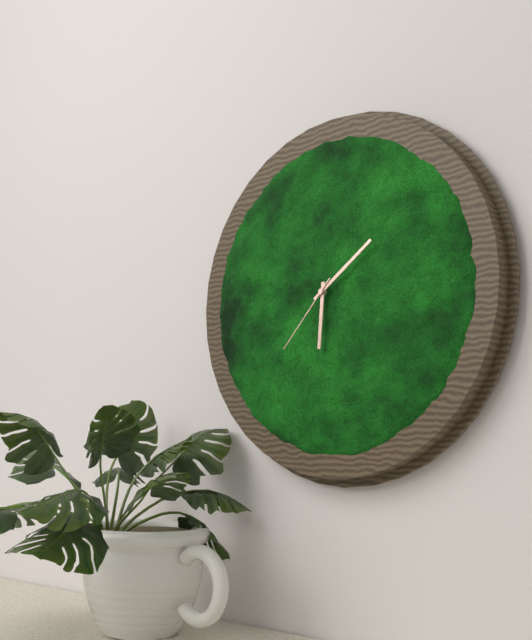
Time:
6.09.37
